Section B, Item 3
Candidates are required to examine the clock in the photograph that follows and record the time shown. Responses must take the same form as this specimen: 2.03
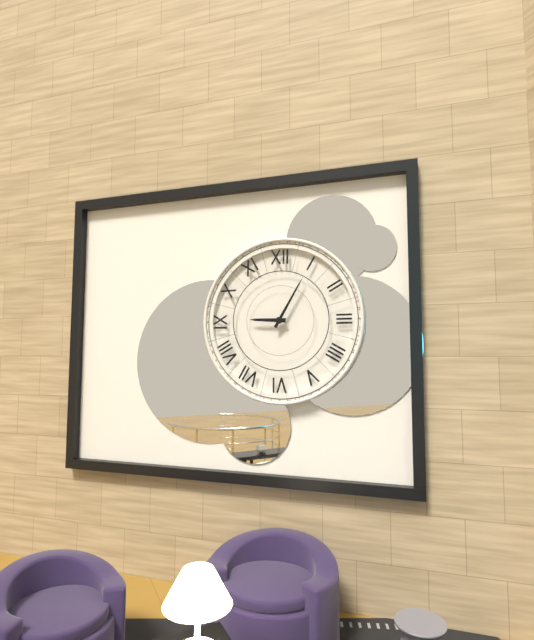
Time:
9.05
